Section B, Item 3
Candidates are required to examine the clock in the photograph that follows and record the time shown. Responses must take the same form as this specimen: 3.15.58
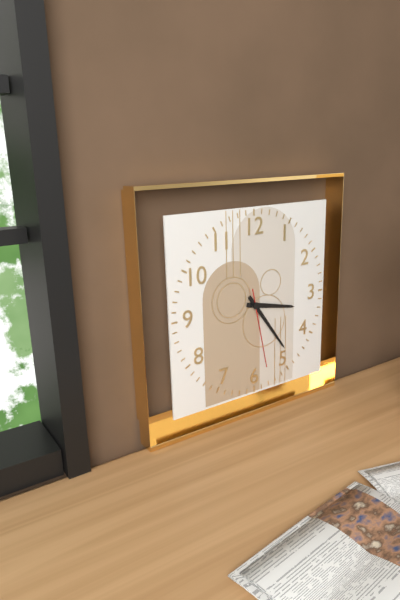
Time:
3.24.28
